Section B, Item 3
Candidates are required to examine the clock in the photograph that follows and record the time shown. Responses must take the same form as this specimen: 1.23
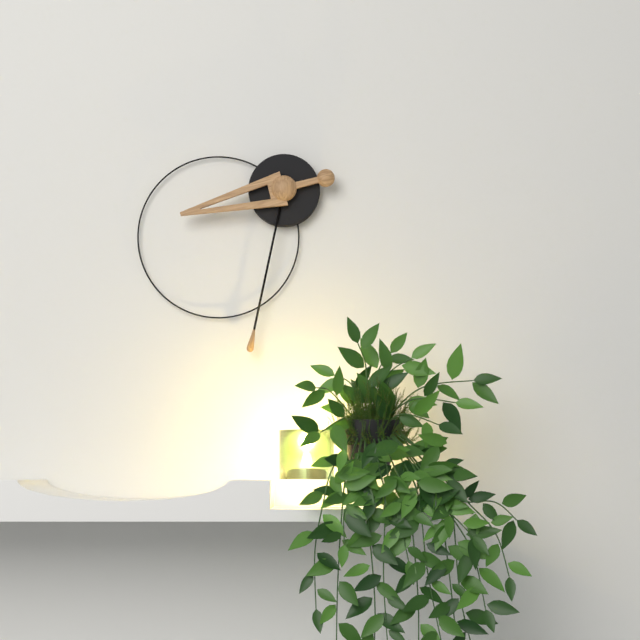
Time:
8.32
